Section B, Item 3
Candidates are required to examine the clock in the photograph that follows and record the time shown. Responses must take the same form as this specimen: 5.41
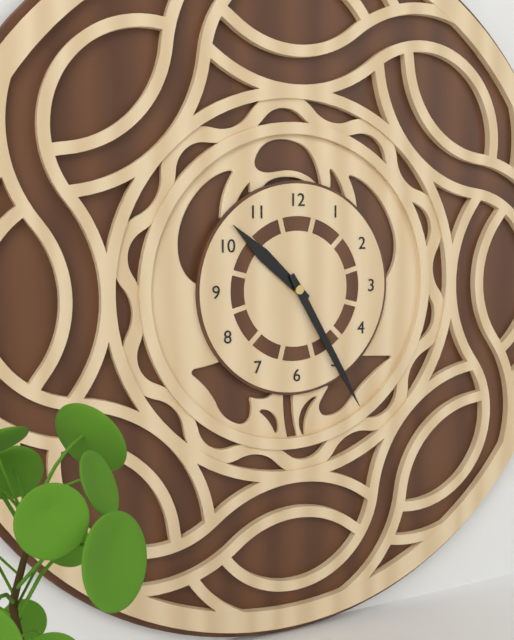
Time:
10.25
